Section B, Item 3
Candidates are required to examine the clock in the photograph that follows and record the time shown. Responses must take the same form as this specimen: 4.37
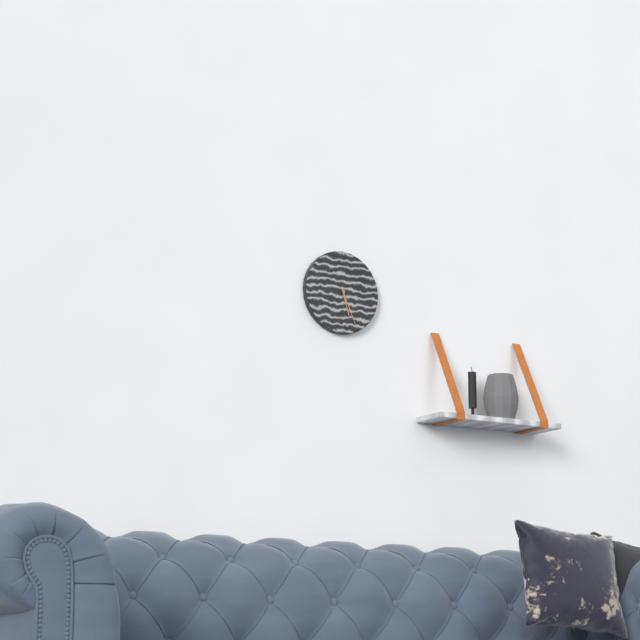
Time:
5.26
